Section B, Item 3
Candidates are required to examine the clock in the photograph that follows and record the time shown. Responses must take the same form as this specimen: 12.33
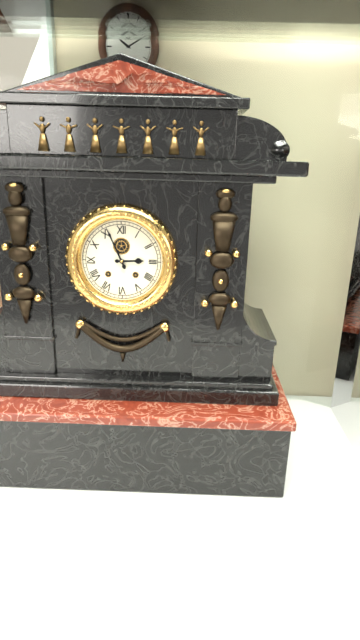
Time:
2.56
